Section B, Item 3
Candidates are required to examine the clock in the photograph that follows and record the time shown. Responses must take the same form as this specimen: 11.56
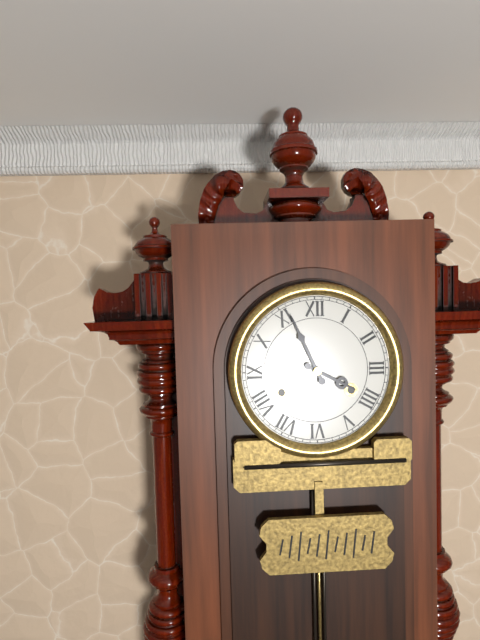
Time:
3.56
